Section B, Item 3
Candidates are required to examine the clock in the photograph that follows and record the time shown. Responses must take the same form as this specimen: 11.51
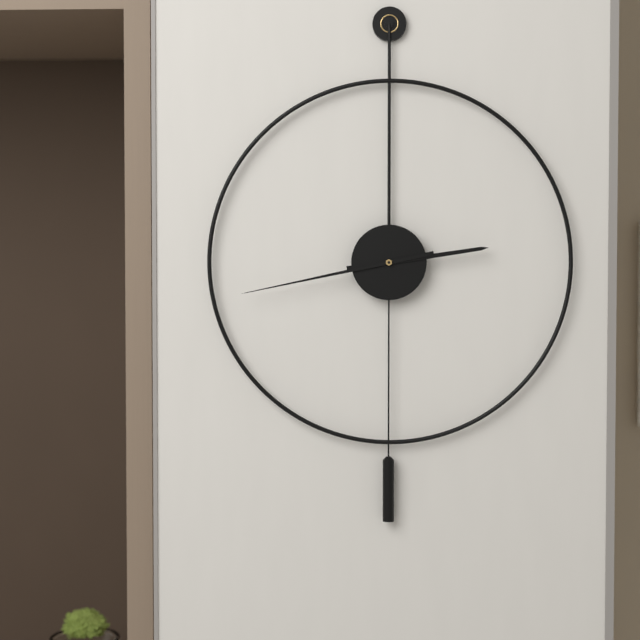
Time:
2.43
